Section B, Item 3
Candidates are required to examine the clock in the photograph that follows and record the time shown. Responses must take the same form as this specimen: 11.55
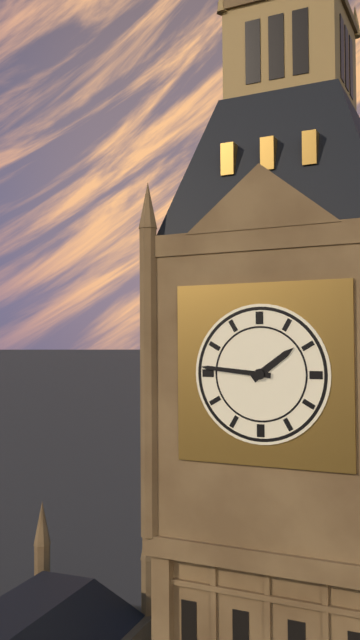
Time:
1.46
